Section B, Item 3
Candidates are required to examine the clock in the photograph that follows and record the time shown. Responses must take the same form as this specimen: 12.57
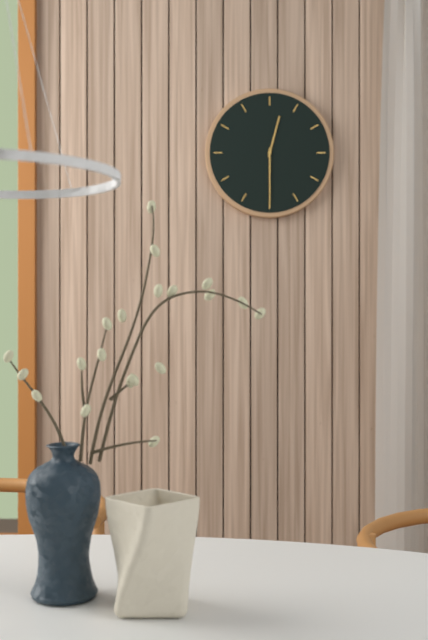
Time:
12.30
